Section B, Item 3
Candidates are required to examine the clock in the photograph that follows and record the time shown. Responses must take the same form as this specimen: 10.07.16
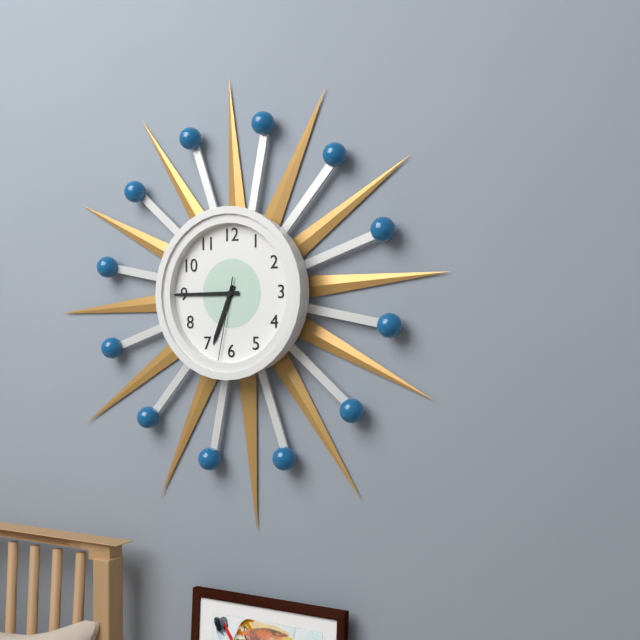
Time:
6.45.32
